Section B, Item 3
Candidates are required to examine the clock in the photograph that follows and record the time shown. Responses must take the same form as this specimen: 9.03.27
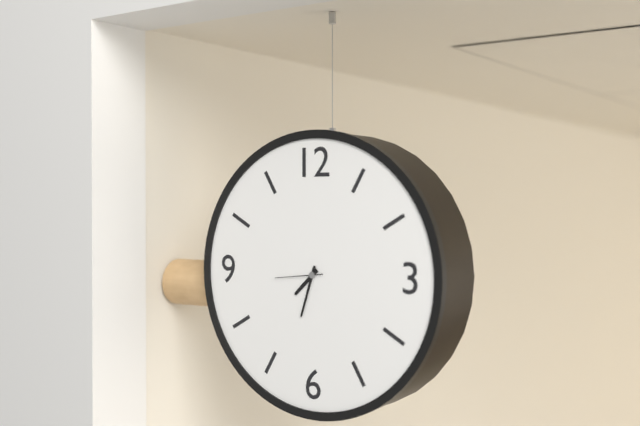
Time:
7.33.44
